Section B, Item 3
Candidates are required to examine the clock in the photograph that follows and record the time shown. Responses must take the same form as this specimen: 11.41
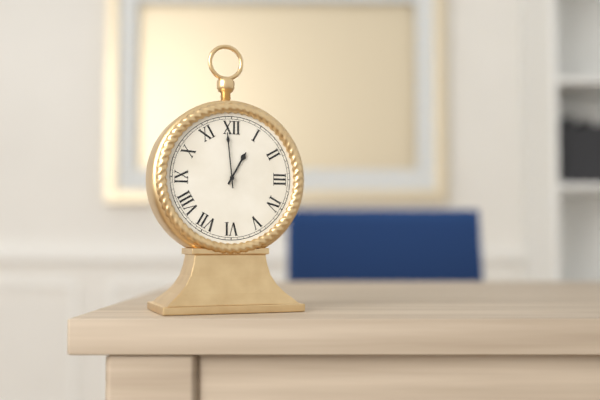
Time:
12.59
